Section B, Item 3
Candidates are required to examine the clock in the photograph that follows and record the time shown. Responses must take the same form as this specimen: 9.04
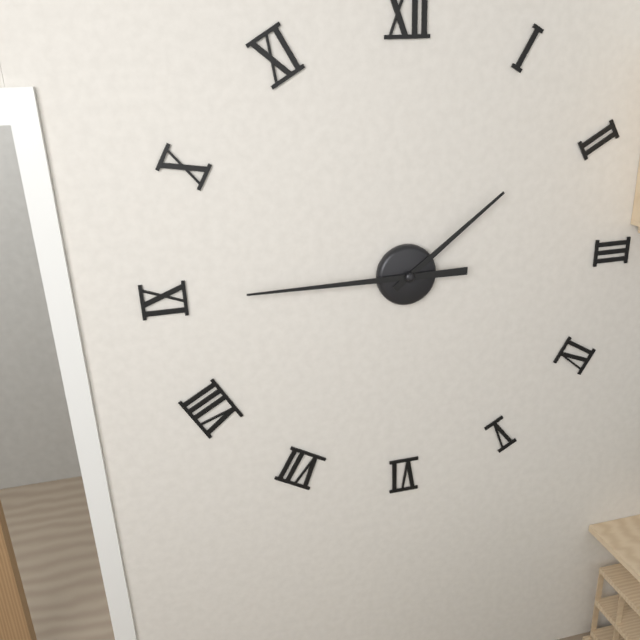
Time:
1.45
